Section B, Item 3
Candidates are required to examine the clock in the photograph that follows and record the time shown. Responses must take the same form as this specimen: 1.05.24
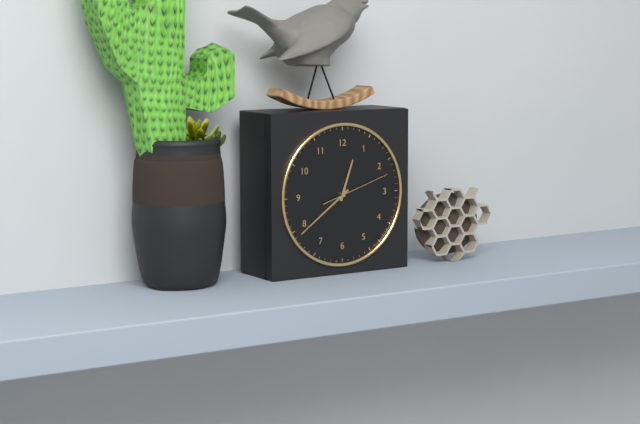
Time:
12.39.12
